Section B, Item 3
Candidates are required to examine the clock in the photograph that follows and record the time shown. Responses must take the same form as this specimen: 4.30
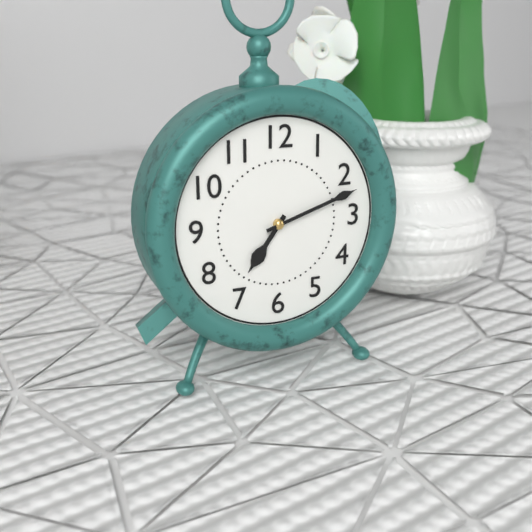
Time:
7.12
